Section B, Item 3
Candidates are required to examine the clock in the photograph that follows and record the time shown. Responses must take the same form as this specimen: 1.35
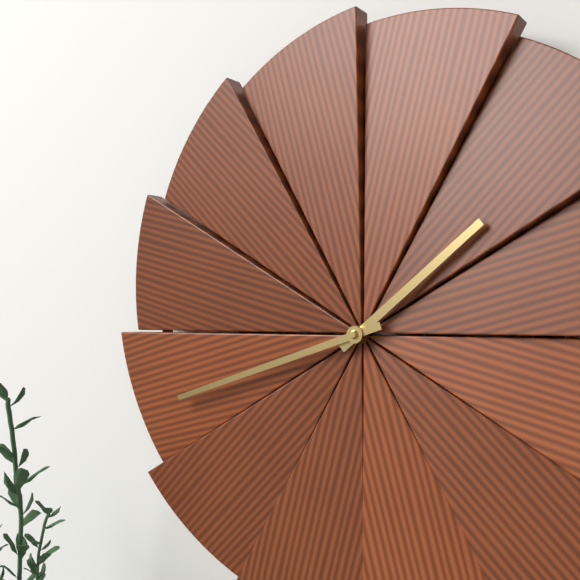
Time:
1.42
